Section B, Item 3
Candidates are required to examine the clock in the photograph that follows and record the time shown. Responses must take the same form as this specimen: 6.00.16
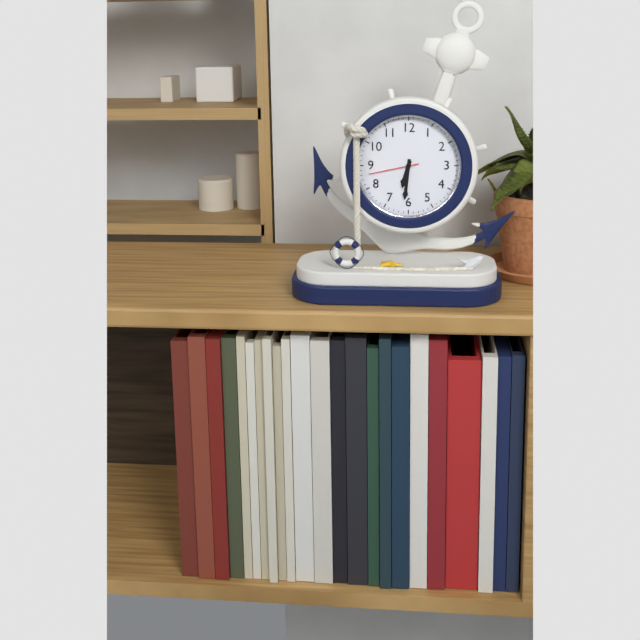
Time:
6.31.43
